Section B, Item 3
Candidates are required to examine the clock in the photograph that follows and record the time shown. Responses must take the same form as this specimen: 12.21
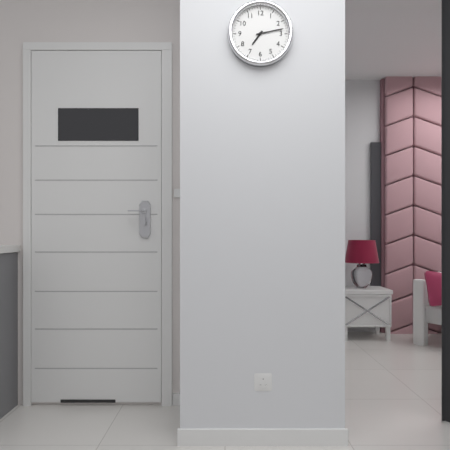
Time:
7.13
